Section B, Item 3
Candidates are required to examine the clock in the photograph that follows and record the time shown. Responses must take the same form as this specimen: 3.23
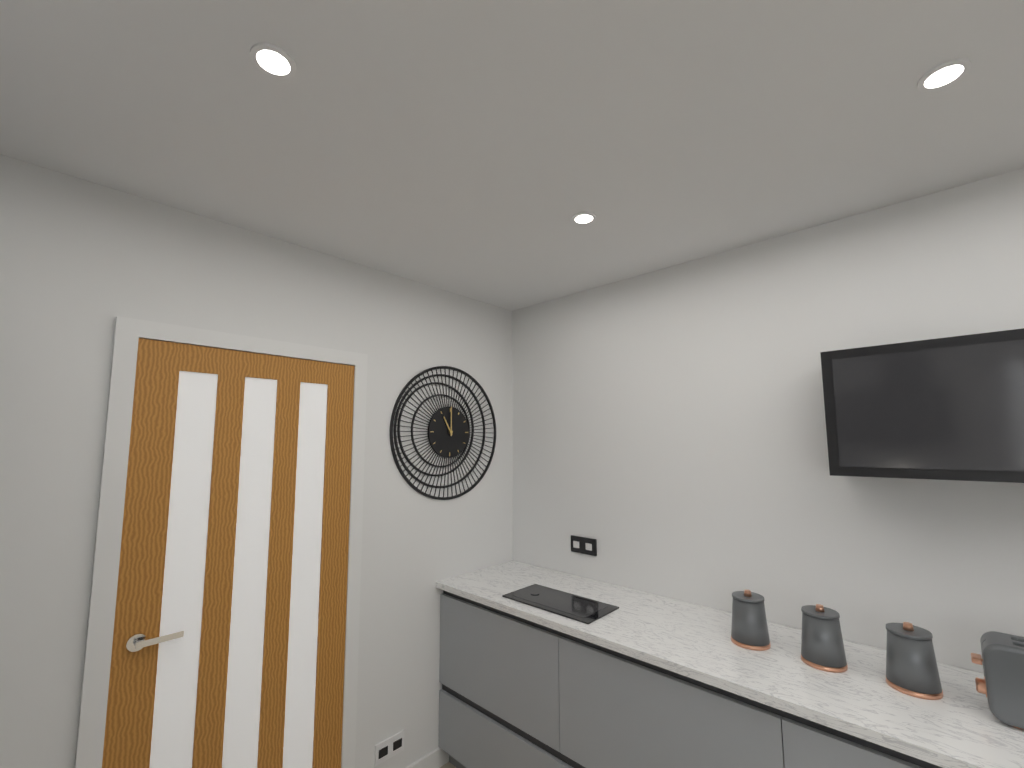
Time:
11.00
